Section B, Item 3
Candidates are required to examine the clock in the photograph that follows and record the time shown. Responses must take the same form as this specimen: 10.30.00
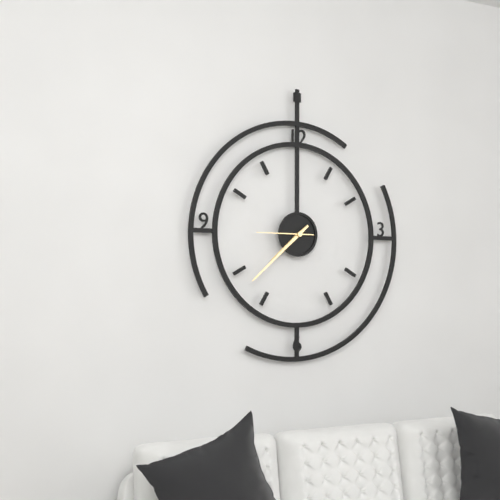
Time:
7.38.45
